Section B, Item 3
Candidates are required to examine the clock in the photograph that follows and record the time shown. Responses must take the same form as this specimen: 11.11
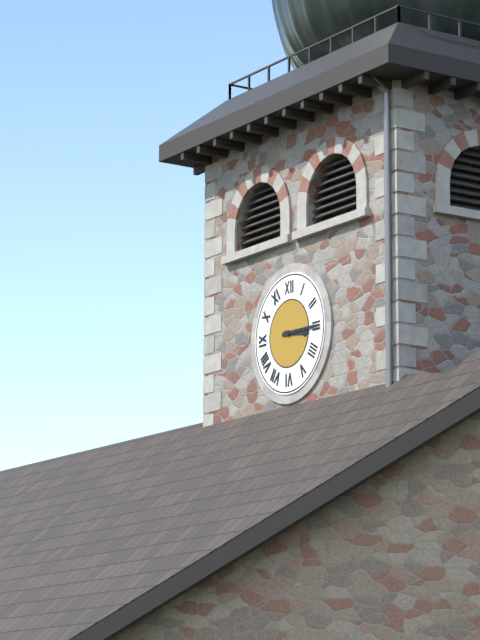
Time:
3.15
